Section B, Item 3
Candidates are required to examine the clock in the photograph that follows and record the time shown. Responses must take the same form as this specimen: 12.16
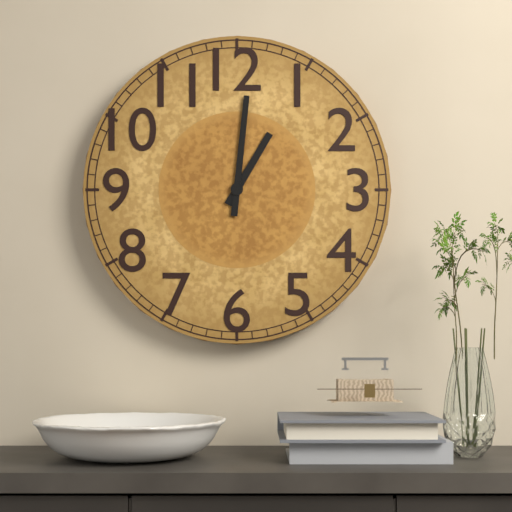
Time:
1.01
